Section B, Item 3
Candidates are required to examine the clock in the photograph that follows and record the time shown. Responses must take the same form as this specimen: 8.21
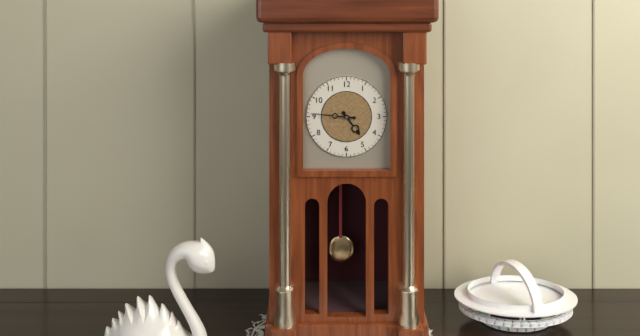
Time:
4.46
